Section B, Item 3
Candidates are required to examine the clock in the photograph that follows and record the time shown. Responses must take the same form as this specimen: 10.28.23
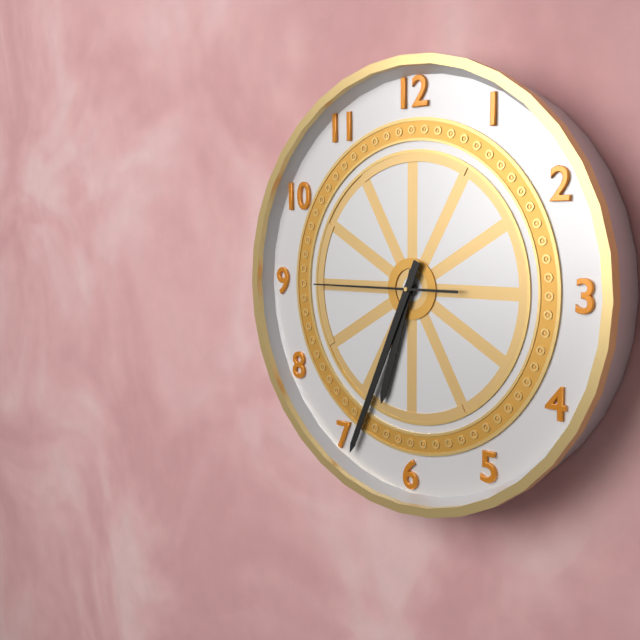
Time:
6.34.45
